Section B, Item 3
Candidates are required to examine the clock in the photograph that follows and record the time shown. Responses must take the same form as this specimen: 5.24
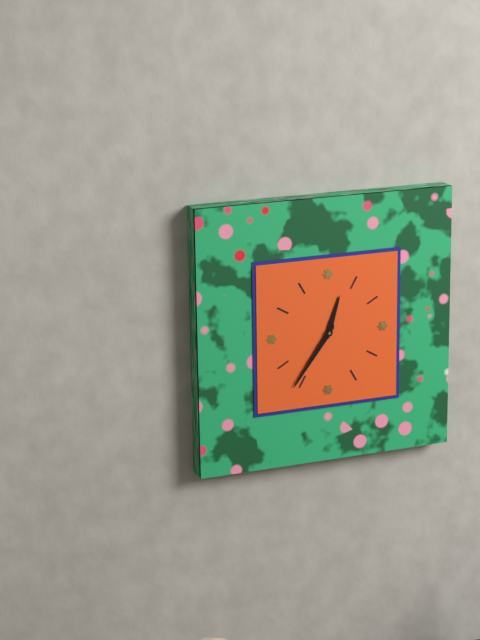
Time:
12.36
